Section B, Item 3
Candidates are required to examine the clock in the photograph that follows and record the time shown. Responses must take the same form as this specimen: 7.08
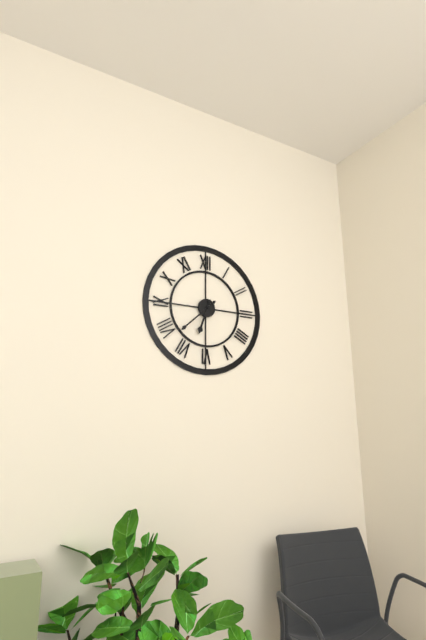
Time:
6.38
